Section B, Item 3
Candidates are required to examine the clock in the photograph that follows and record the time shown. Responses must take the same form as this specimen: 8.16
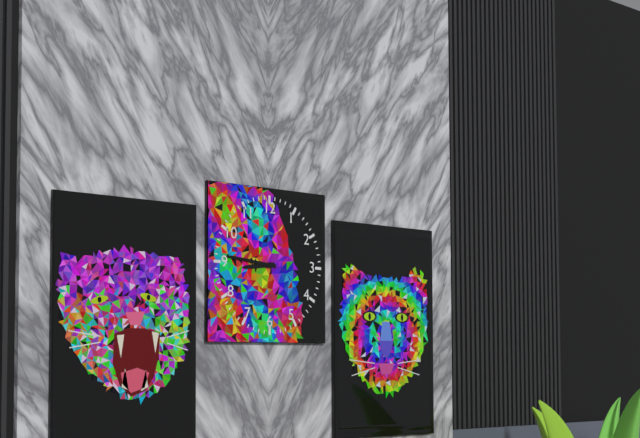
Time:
8.46
